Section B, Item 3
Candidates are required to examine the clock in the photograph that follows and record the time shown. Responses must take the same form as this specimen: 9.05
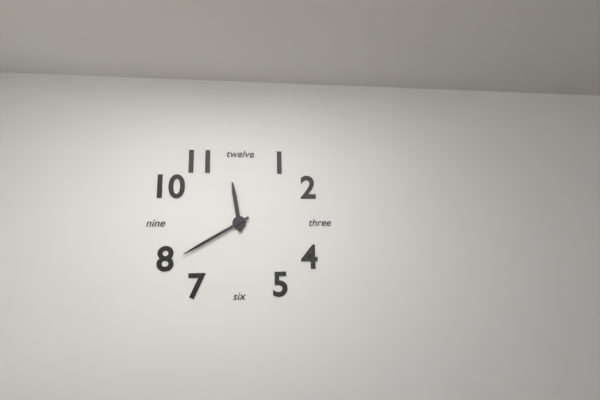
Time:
11.40
